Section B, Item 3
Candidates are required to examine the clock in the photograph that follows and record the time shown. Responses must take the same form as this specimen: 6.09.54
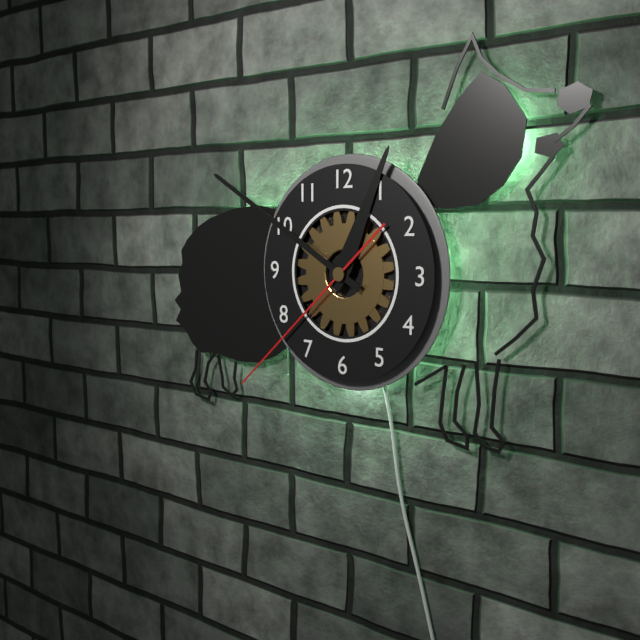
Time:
12.50.38
